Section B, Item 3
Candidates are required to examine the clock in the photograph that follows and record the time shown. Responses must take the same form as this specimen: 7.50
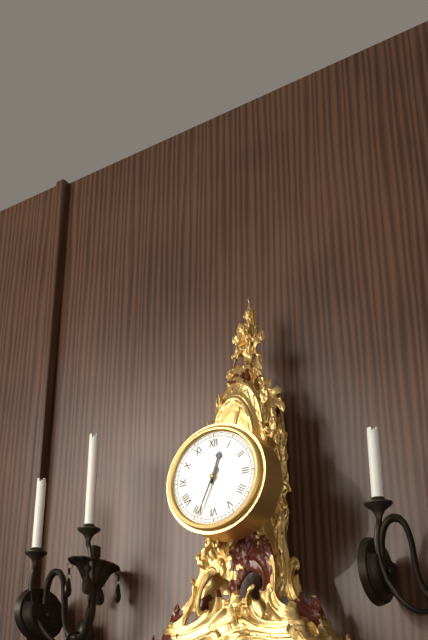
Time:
12.34
